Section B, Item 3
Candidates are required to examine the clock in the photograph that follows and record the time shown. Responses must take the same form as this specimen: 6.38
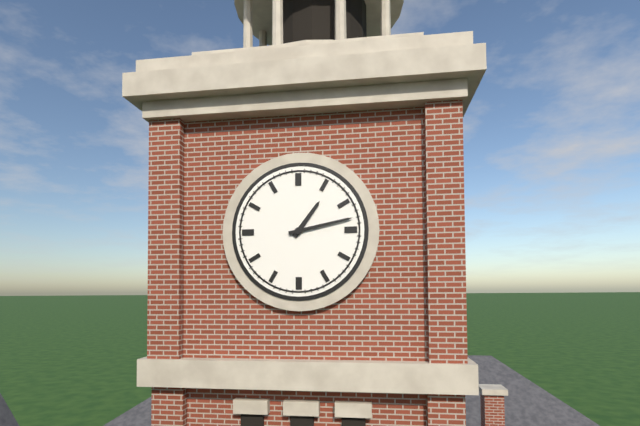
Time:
1.13
